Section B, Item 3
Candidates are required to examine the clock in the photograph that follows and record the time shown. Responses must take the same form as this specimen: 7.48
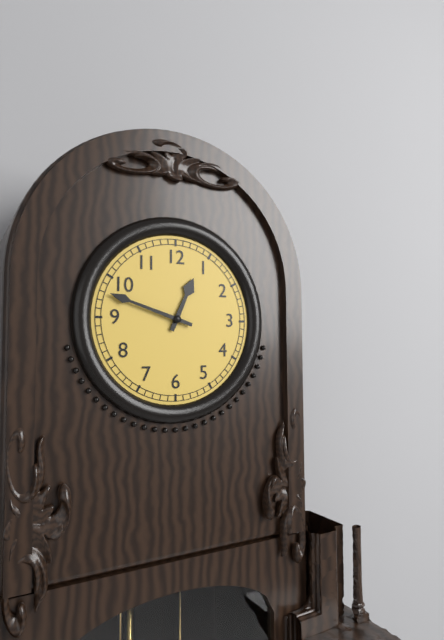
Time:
12.48
